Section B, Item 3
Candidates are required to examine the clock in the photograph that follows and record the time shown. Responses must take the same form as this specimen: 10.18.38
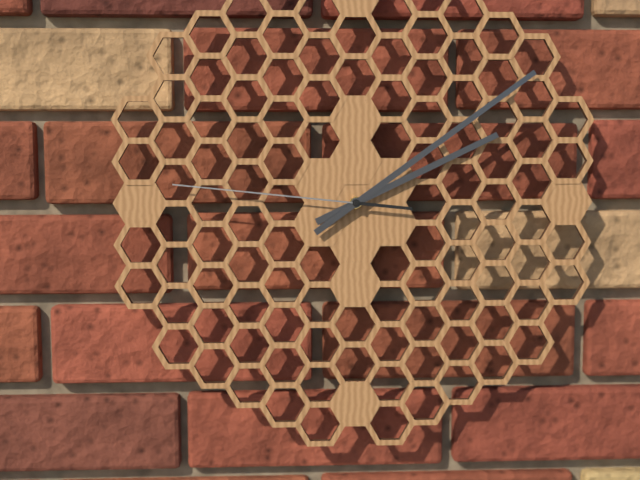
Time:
2.09.46
